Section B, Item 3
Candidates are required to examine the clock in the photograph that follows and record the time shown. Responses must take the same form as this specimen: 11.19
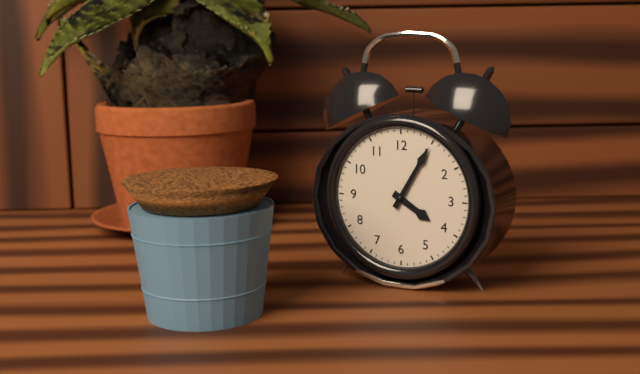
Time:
4.05
